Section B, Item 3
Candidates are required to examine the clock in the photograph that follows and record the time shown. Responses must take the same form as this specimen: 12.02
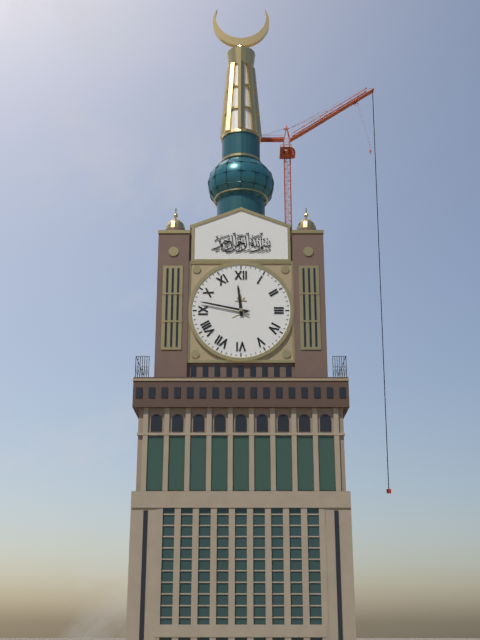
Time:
11.47
